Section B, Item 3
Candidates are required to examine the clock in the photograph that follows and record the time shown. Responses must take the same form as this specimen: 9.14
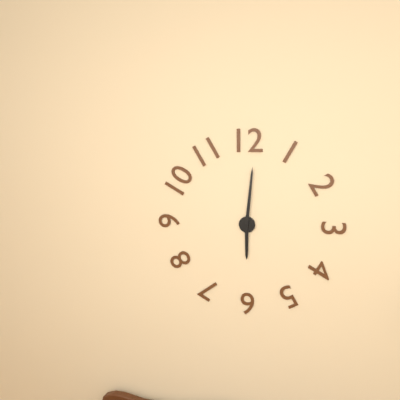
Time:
6.01
